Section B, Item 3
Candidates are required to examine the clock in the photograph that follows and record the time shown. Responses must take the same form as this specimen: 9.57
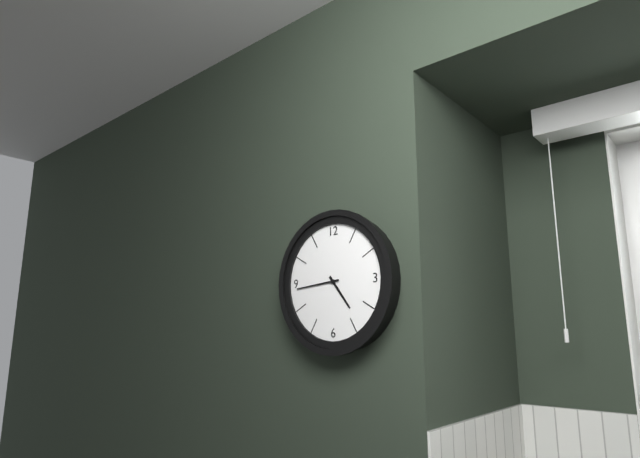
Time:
4.44
